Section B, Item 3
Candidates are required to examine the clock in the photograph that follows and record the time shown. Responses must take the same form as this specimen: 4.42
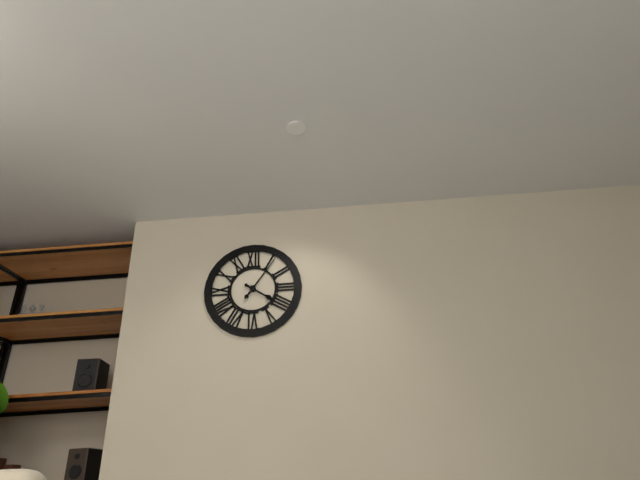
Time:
4.06
